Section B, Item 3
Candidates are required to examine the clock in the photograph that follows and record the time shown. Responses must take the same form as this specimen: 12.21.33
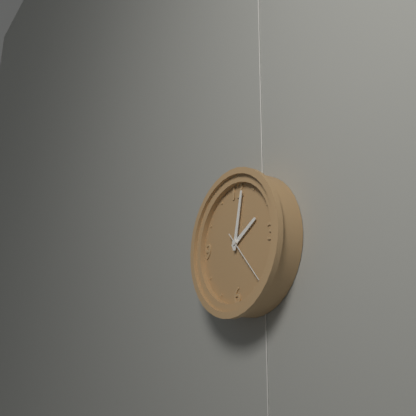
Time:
2.02.23
